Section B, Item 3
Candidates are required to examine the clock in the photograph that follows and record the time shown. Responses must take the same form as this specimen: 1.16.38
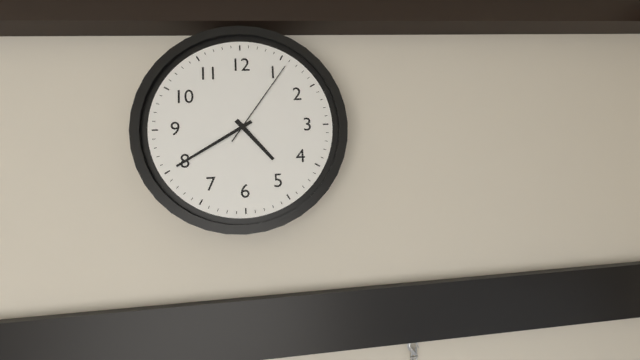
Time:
4.40.06
